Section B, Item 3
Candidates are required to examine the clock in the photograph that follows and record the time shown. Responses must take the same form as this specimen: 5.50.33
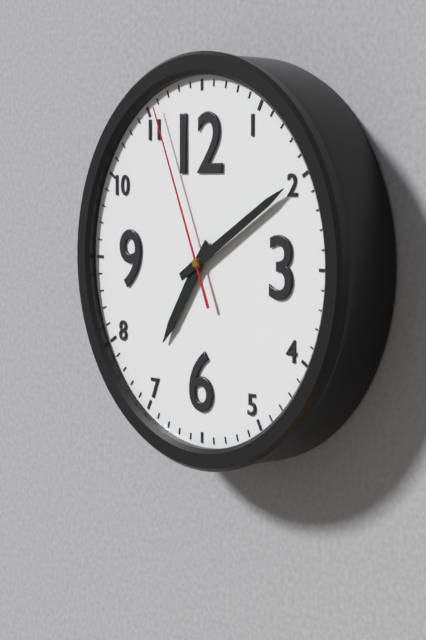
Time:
7.10.56
